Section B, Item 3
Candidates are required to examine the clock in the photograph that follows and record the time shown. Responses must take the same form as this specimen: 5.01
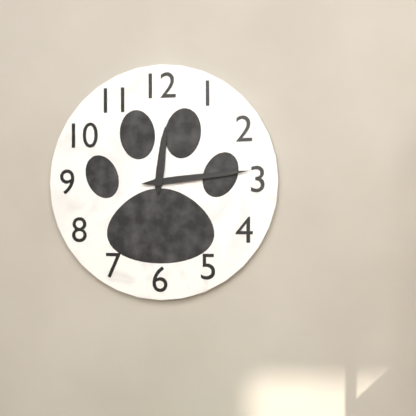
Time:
12.14
